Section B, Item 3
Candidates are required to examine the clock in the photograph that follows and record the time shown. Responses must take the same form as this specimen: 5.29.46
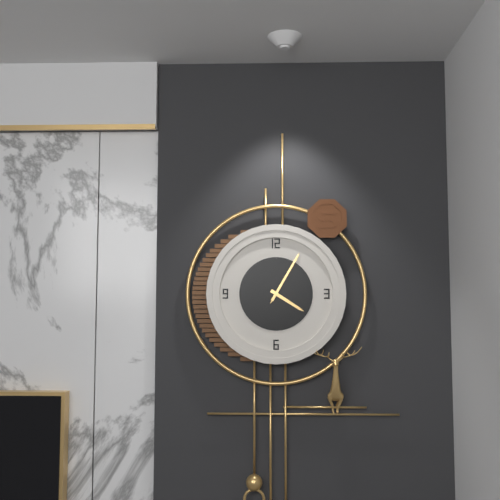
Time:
4.05.05
